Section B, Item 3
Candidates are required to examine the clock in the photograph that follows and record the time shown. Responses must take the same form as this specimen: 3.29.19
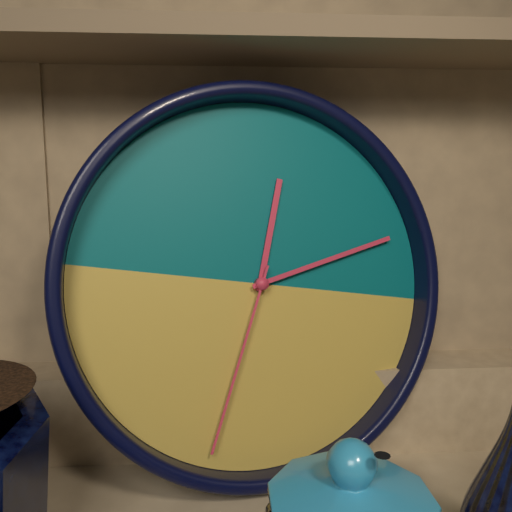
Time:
12.11.32
